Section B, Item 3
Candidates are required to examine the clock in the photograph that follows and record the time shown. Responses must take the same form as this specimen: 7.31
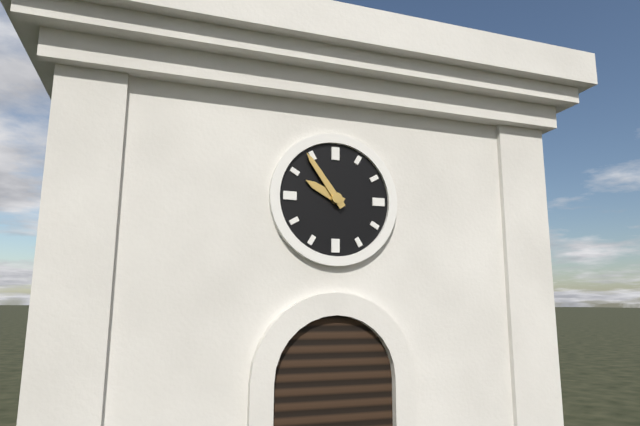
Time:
9.54
